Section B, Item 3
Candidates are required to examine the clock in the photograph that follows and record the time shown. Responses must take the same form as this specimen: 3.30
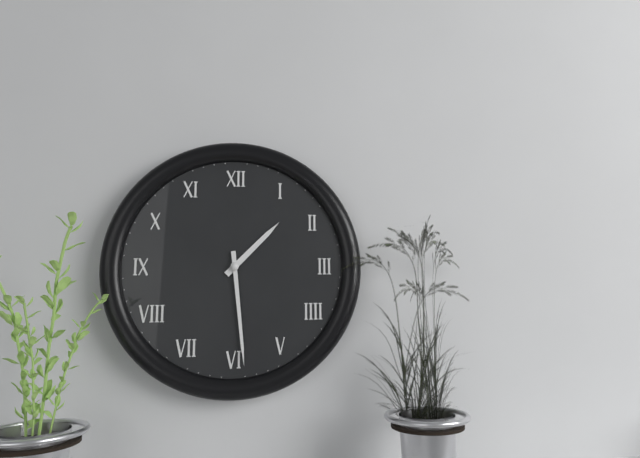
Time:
1.29
